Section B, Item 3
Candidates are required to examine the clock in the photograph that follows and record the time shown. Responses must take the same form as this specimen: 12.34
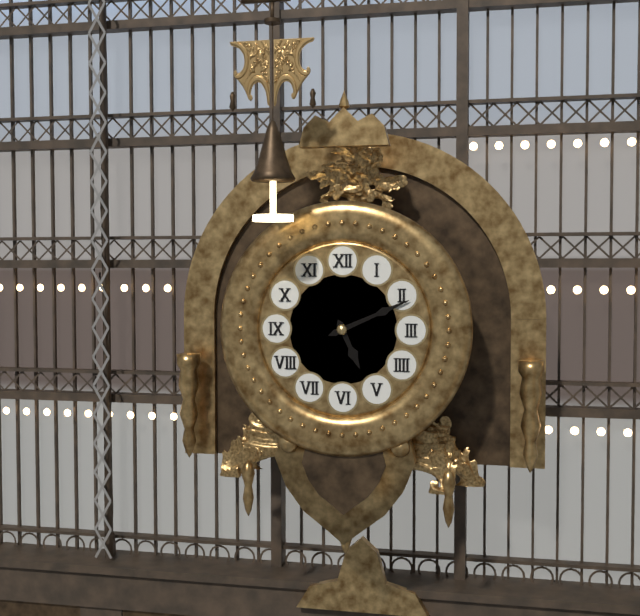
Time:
5.11
